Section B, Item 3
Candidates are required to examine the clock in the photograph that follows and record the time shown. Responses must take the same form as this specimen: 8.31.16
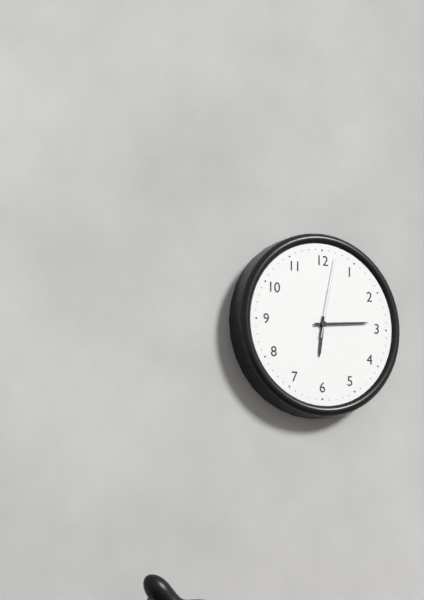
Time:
6.14.02
